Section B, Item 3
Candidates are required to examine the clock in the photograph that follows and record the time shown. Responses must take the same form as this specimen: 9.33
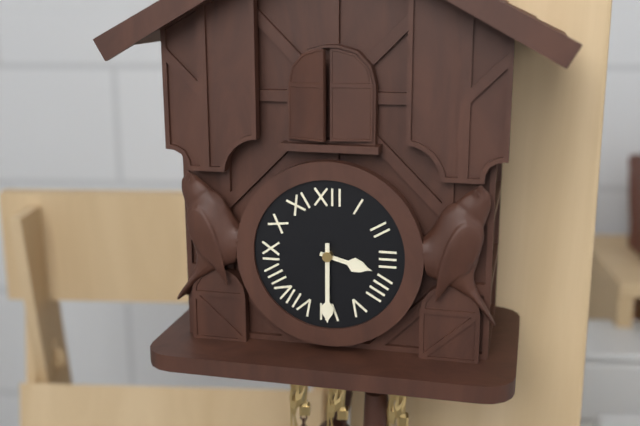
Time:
3.30
